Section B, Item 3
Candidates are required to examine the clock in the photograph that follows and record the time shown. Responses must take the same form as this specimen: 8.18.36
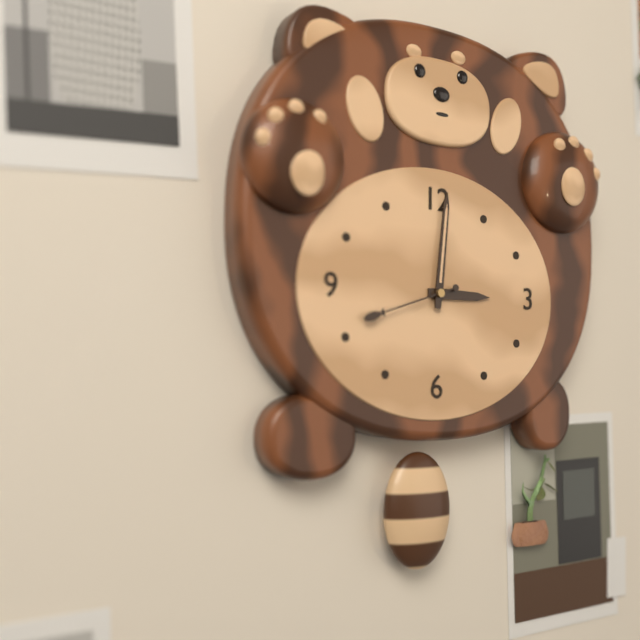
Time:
3.01.42
